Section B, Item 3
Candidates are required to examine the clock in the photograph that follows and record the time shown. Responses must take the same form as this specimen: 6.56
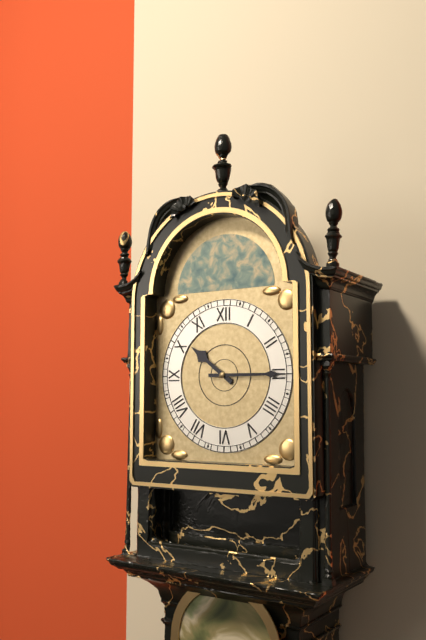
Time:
10.15
